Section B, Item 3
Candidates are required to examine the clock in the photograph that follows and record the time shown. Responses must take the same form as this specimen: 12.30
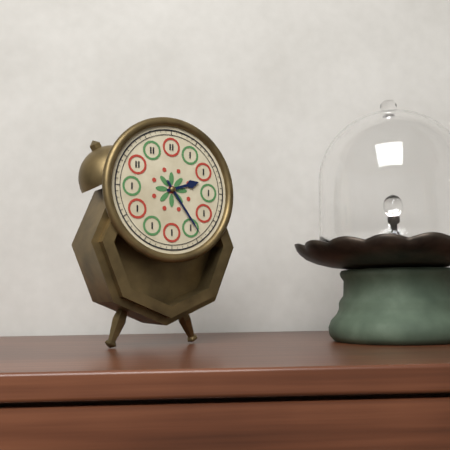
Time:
2.24
